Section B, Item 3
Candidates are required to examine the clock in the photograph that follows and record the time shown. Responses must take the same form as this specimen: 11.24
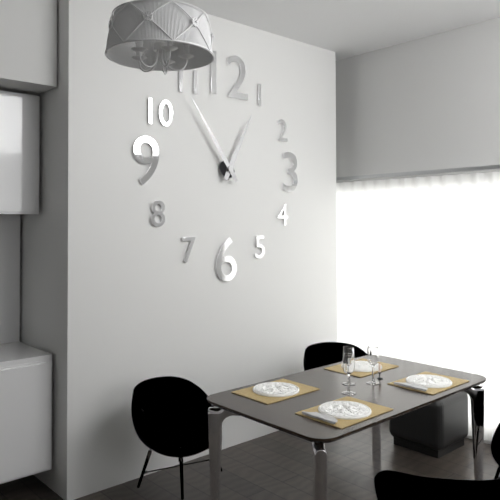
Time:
12.54
